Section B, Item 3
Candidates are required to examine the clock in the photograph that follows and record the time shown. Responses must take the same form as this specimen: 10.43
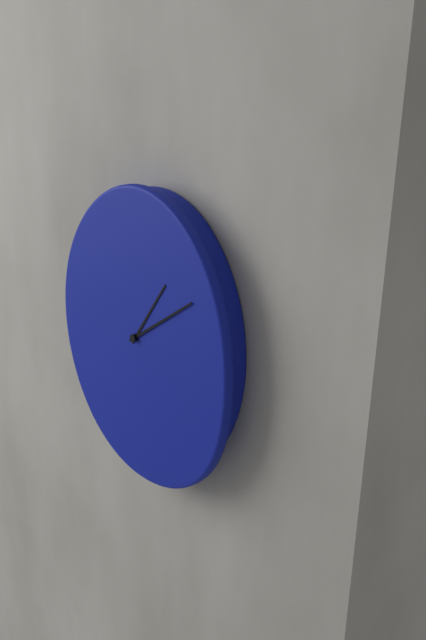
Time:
1.09
